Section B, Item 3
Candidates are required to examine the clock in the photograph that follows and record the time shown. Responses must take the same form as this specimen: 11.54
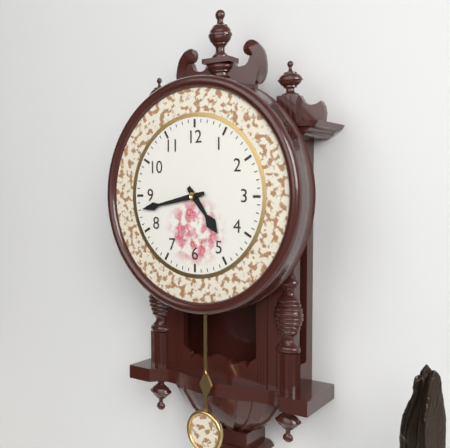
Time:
4.43
